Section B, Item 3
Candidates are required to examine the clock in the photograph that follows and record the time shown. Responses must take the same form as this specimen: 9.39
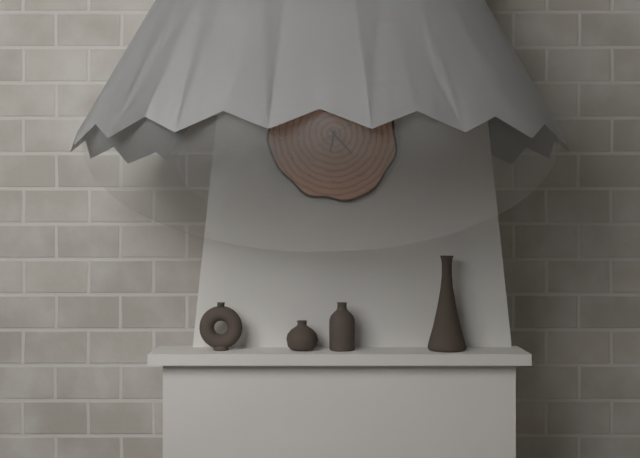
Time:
6.23
